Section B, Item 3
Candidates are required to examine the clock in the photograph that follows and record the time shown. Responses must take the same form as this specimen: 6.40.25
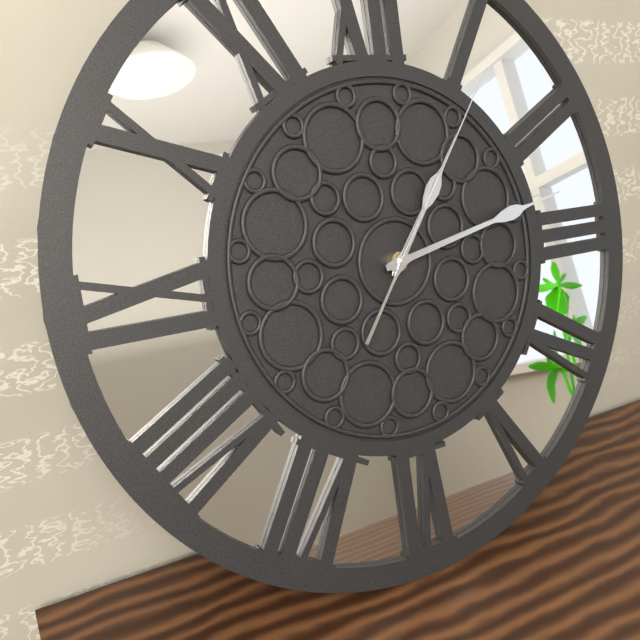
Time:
1.13.06
